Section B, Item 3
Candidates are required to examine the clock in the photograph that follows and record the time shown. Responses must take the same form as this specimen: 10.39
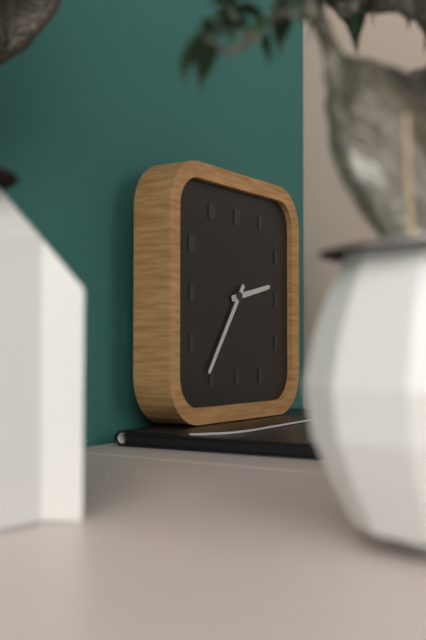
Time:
2.36
